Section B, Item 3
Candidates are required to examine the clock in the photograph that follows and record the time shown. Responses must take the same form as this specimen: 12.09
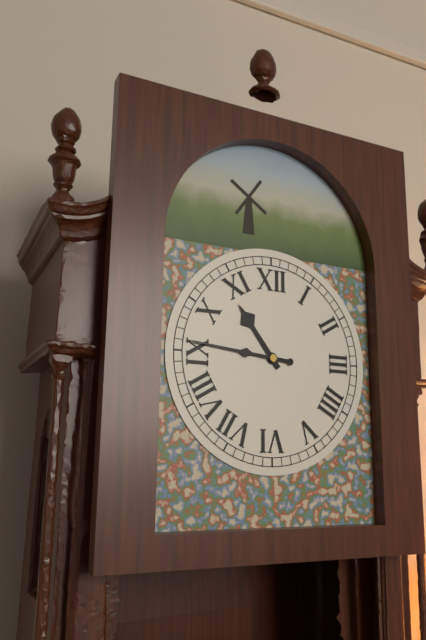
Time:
10.46
